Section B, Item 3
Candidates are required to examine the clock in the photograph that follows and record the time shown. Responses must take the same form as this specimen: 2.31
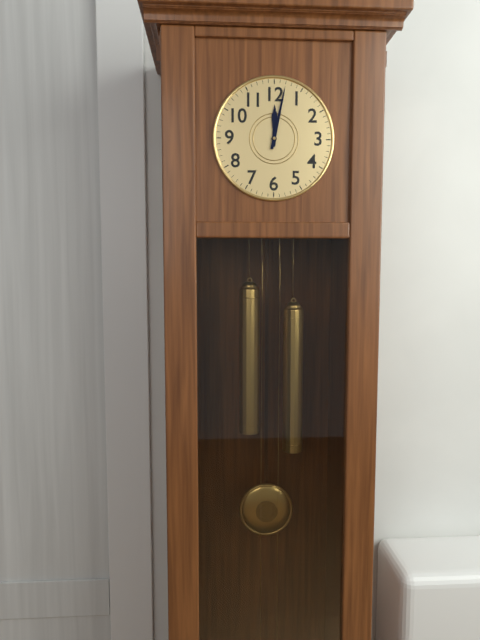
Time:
12.02
